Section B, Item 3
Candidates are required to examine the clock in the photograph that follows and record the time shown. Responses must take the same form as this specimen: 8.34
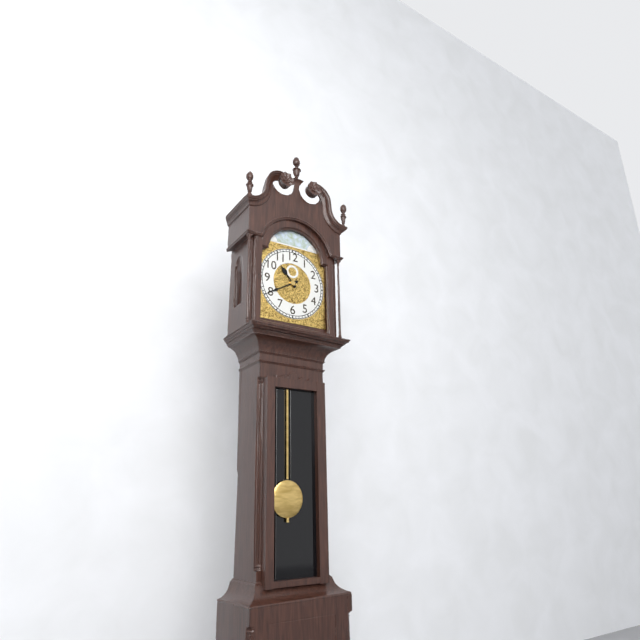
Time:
10.40
